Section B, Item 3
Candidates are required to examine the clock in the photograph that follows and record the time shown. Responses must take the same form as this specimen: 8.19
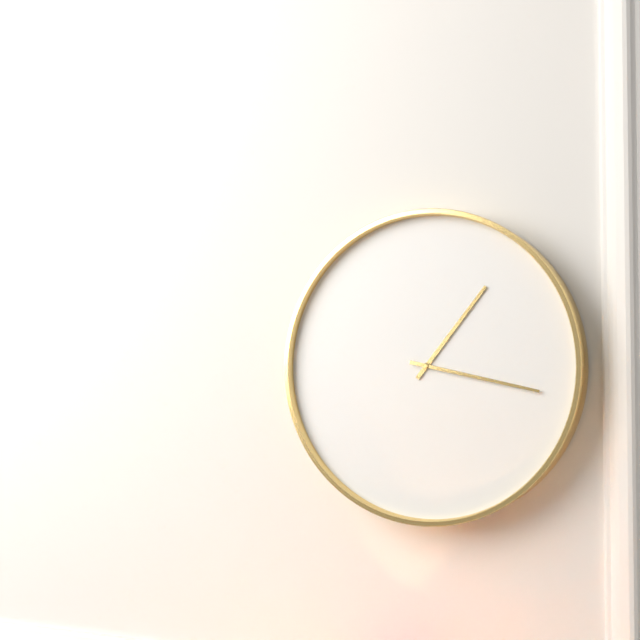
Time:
1.17
